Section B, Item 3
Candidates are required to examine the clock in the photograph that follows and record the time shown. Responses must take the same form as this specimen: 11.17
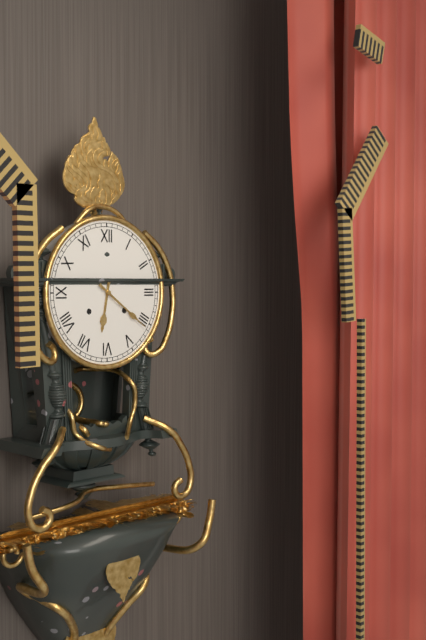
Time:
6.21
